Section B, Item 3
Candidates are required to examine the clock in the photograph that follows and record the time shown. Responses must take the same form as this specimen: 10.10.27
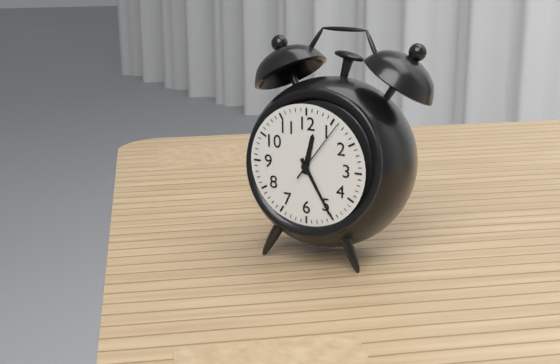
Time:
12.25.06
